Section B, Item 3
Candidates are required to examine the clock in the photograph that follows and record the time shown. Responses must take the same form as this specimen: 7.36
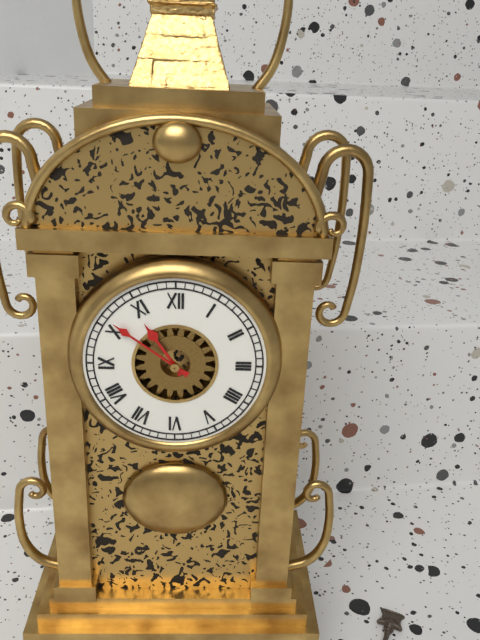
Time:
10.51
